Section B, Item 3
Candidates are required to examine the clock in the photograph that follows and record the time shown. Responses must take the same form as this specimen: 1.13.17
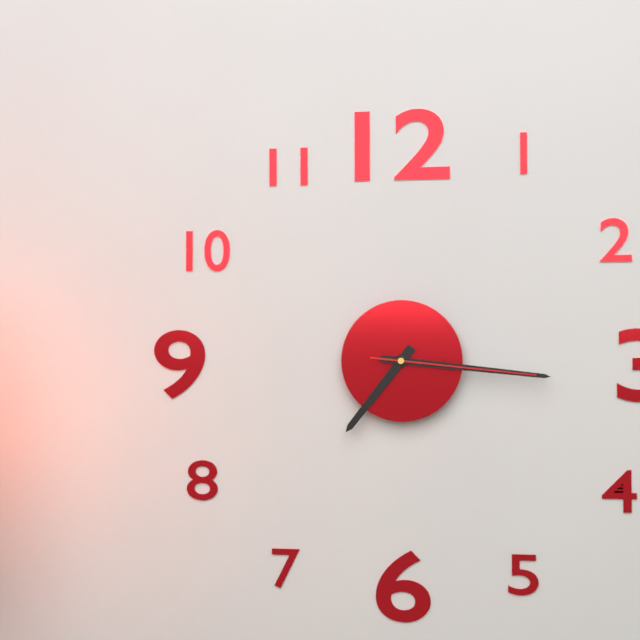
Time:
7.16.16
